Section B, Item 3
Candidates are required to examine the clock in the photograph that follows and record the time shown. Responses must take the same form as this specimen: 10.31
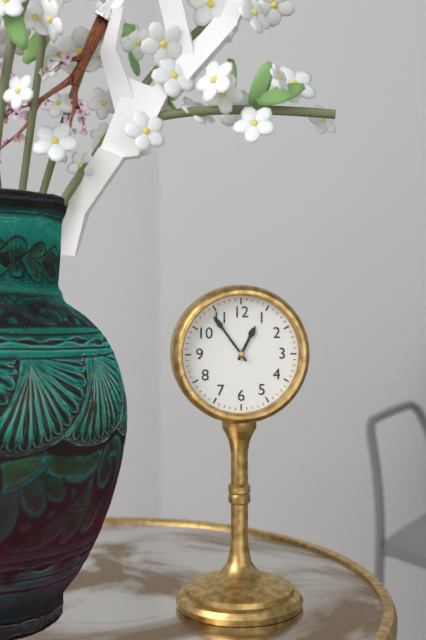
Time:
12.54
